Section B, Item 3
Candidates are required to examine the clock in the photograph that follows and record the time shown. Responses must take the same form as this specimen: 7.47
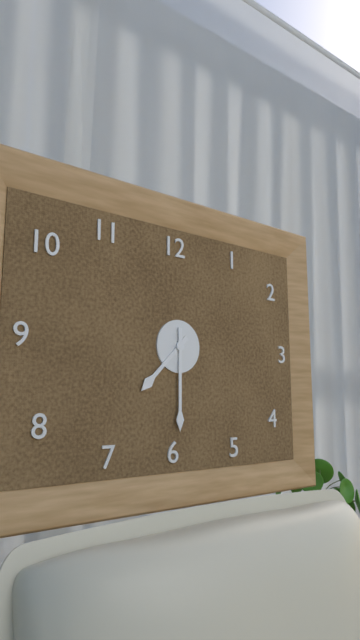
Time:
7.30
